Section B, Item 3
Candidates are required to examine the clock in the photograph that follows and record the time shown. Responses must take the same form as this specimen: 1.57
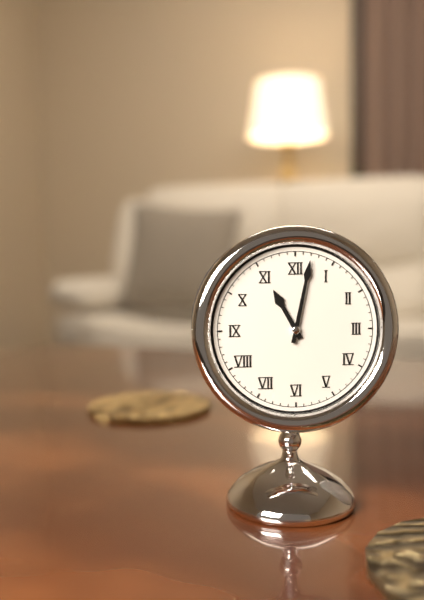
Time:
11.02
